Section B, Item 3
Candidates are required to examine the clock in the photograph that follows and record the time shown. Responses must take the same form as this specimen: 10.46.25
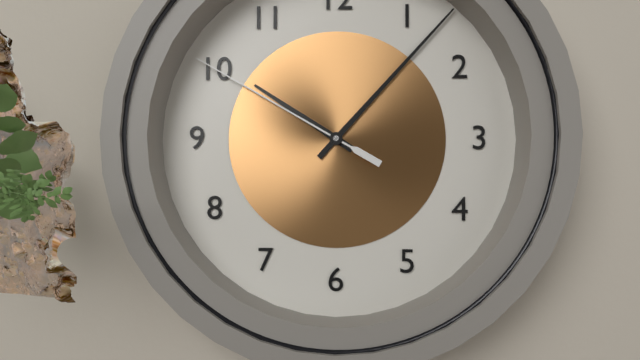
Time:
10.07.50
